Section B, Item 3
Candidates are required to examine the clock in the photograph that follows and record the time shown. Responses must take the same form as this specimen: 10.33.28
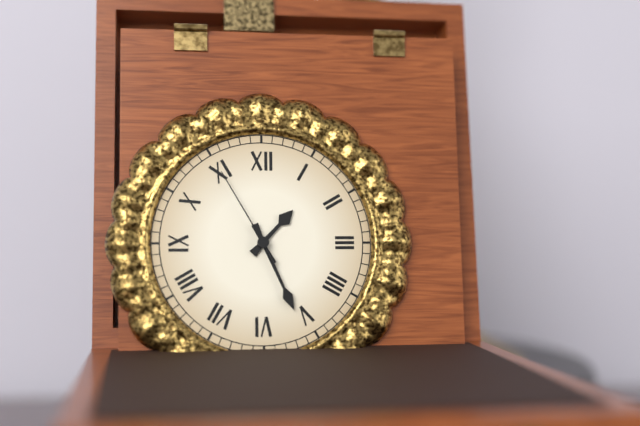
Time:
1.26.55
